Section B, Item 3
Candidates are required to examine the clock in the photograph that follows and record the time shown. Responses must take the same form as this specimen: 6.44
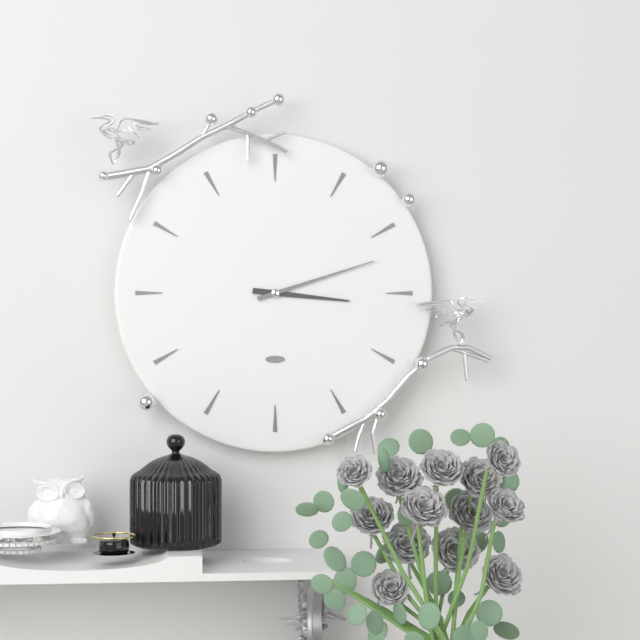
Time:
3.12
